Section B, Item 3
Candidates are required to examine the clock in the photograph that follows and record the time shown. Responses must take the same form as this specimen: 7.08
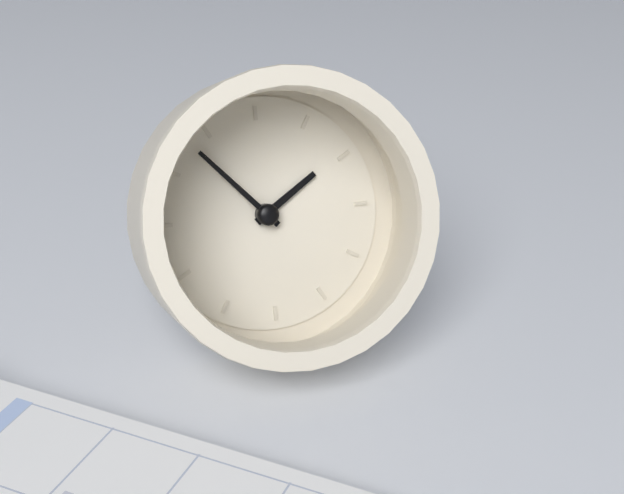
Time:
1.53
